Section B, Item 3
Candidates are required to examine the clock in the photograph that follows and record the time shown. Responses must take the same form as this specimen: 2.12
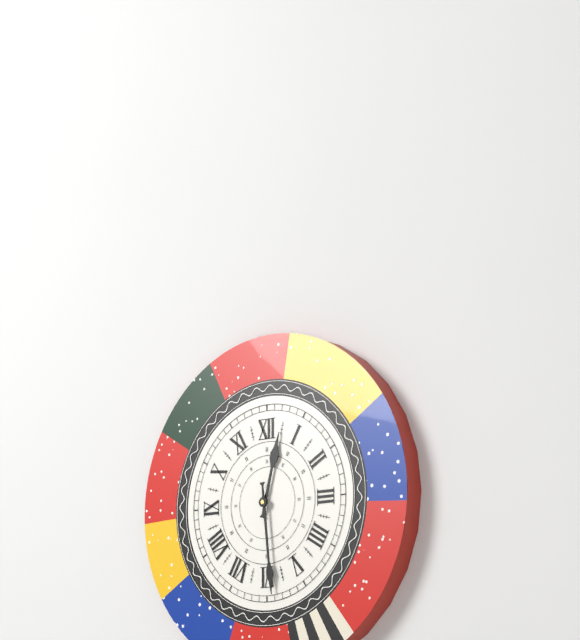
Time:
12.29
